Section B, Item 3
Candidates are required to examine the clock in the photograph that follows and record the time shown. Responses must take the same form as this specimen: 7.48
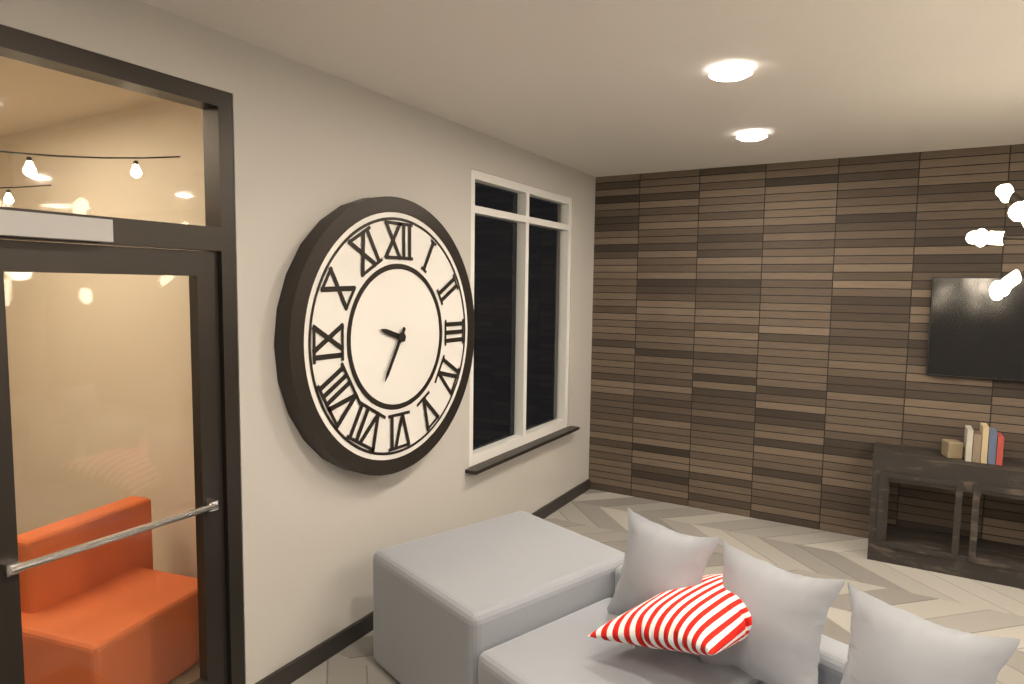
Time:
9.35
